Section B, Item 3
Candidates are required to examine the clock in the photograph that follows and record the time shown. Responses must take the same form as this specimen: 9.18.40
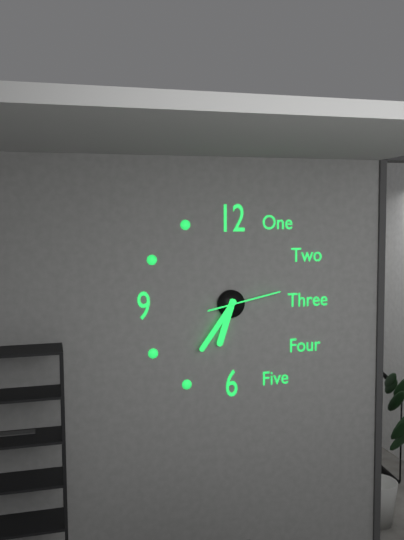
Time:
6.36.13
